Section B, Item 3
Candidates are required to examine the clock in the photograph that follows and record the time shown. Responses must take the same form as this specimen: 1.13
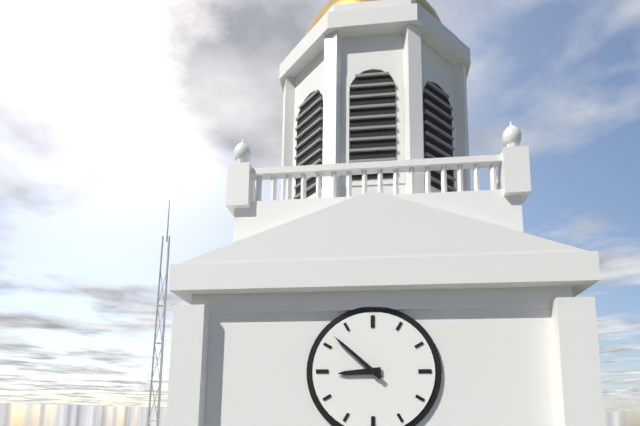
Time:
8.52
